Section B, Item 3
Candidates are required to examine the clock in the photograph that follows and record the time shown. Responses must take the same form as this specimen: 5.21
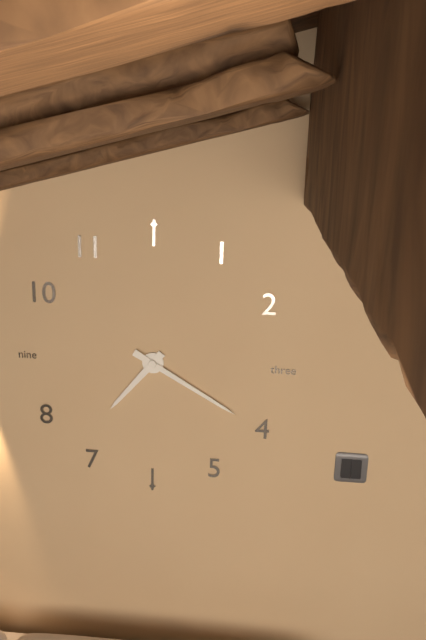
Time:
7.20
